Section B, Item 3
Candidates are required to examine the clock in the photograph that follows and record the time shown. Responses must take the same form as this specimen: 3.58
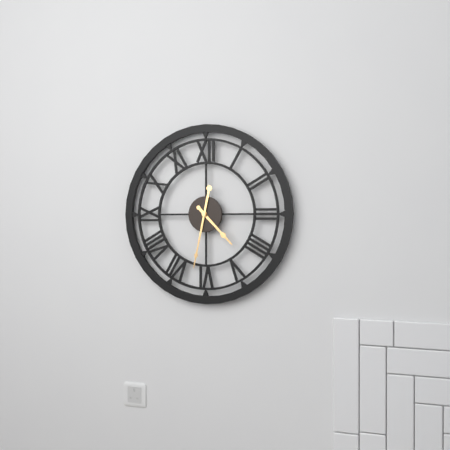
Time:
4.32
